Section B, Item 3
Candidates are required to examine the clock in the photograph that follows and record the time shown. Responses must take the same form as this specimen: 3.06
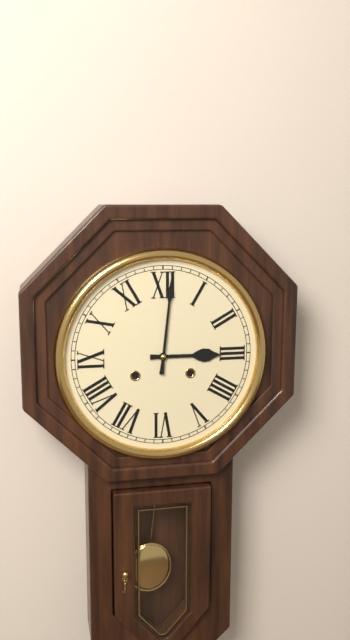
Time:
3.01
